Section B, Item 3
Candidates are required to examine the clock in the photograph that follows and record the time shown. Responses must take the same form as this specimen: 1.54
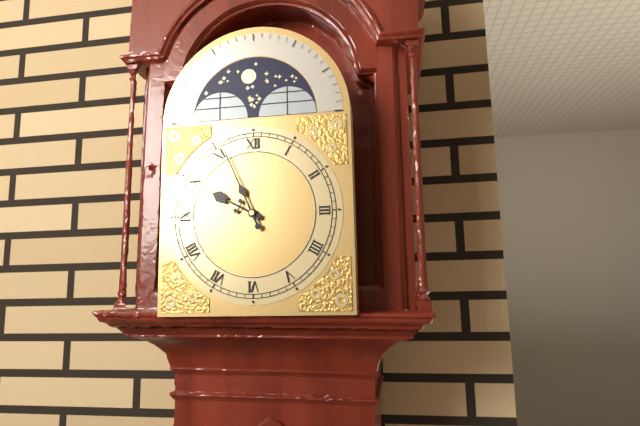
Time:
9.56
